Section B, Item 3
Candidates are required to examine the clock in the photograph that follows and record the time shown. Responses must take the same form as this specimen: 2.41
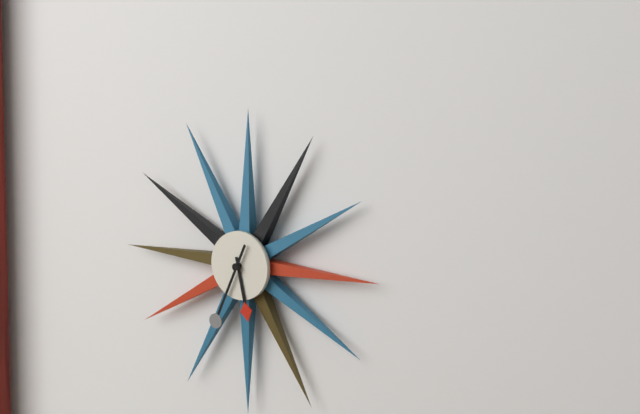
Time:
5.34
